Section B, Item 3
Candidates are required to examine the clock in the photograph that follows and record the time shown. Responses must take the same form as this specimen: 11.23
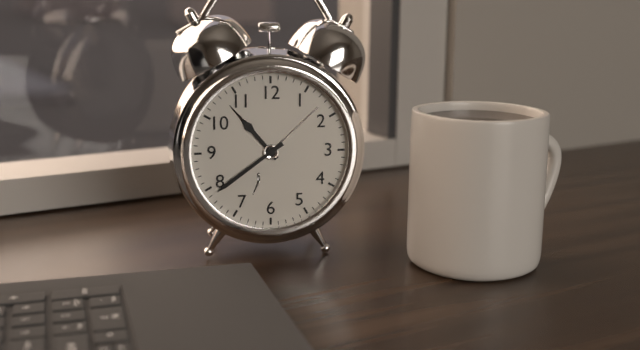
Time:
10.39
